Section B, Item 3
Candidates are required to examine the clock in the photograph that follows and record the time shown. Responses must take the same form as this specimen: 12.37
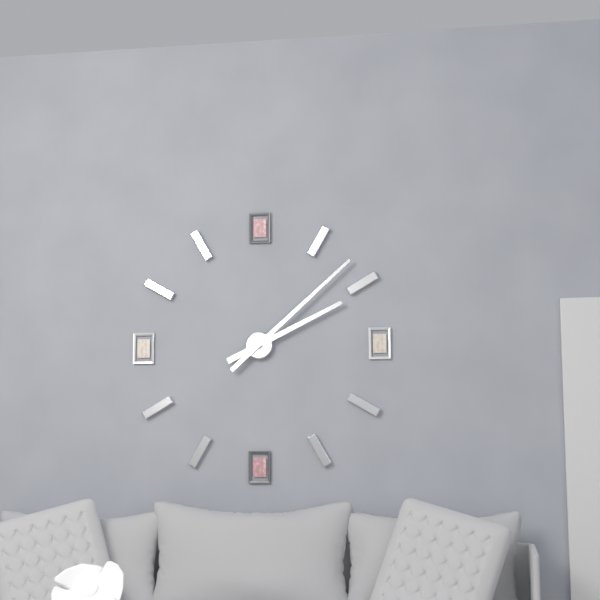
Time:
2.08
